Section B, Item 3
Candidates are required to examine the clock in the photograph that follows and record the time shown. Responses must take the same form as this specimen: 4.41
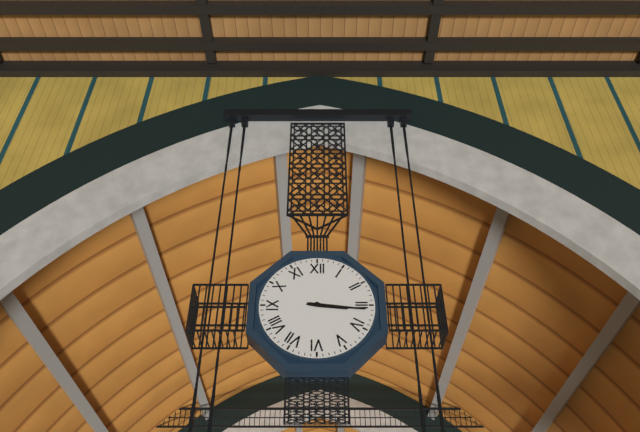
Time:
3.16
